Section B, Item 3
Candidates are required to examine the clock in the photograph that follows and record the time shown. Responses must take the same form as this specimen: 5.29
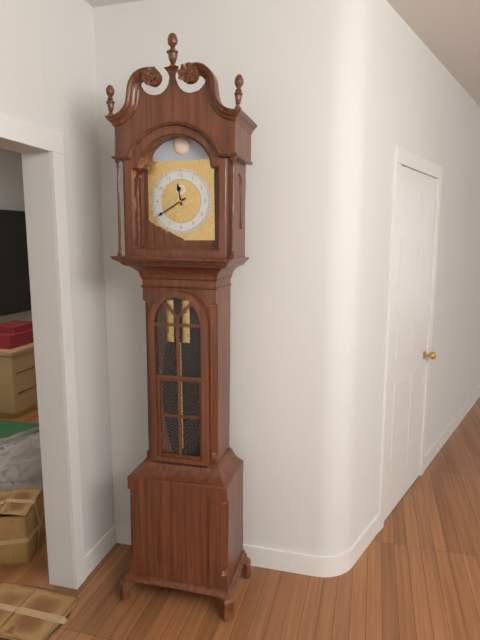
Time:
11.40
